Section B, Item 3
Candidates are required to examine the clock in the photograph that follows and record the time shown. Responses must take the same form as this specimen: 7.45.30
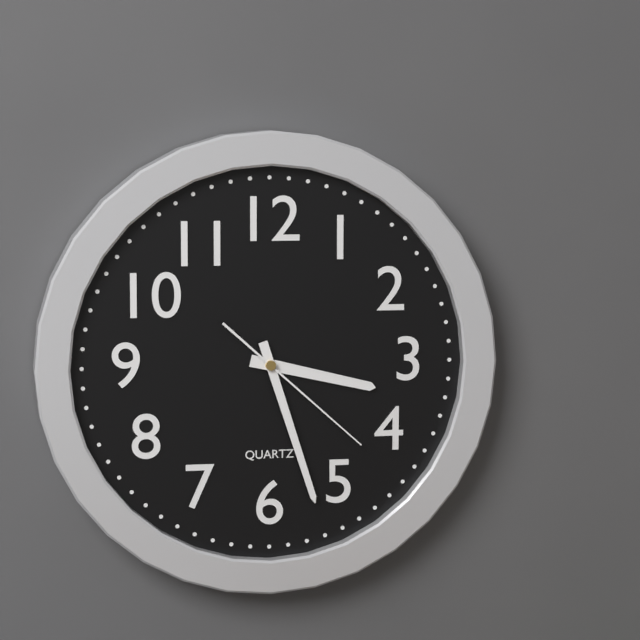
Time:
3.27.22
